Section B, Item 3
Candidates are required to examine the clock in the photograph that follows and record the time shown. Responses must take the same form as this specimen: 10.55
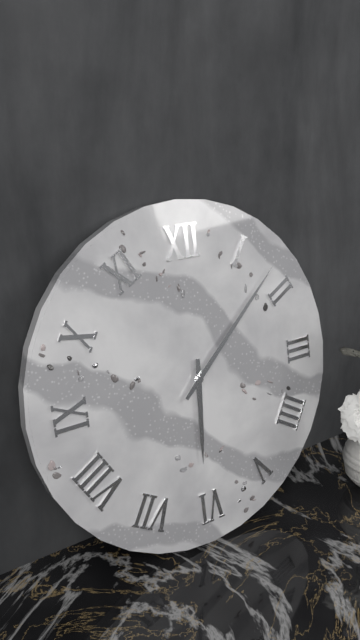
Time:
6.08
